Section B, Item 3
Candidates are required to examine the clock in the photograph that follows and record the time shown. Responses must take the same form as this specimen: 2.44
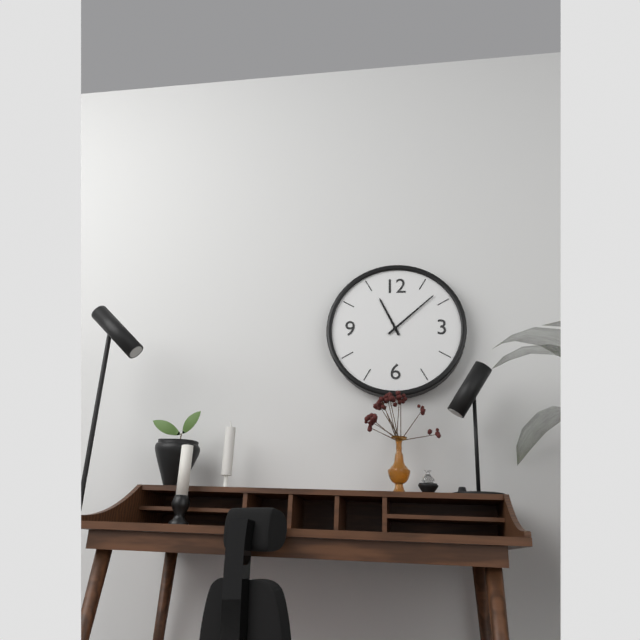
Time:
11.08
